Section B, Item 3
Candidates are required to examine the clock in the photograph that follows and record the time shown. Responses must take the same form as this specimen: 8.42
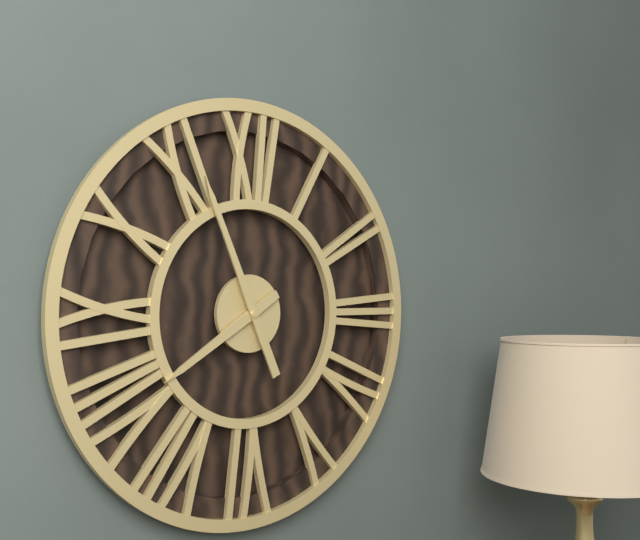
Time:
7.56
